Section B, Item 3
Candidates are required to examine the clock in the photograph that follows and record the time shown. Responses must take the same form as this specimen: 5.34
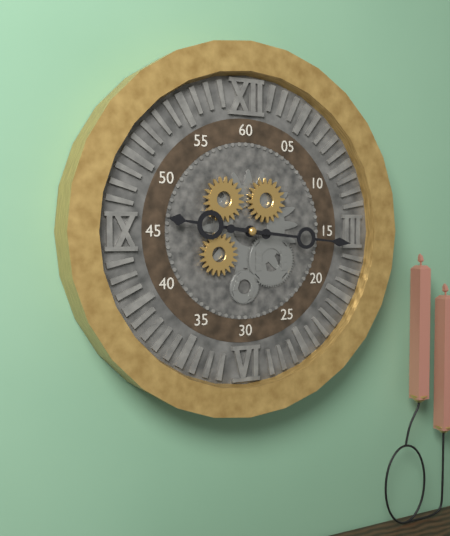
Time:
9.16
